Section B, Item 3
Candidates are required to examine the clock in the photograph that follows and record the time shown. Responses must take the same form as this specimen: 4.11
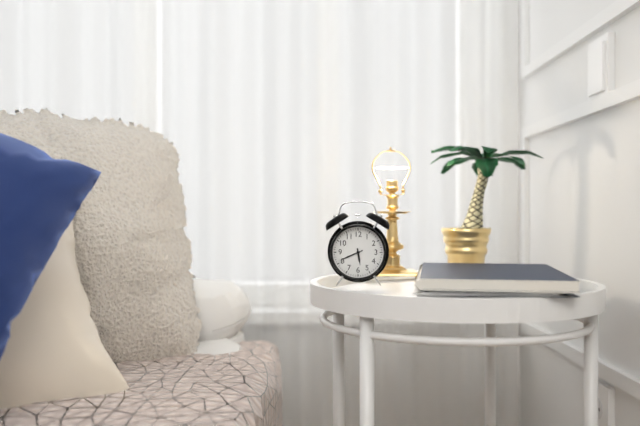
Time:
5.41
